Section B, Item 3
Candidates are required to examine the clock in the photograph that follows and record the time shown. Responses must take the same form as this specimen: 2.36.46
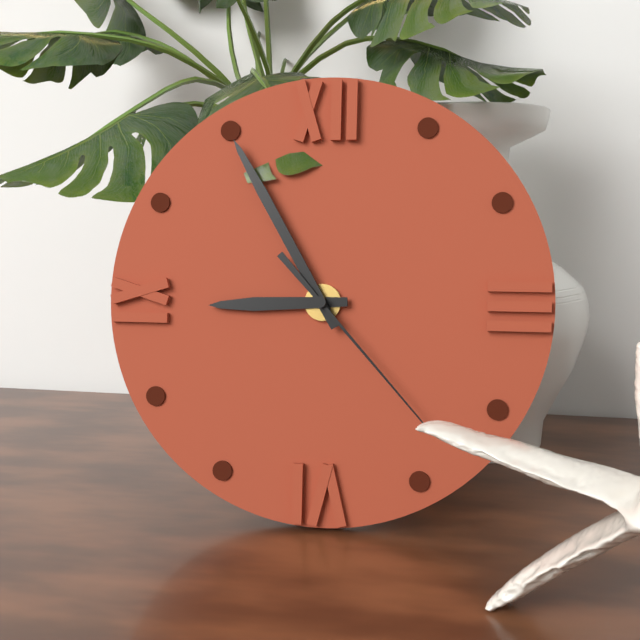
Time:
8.55.23
